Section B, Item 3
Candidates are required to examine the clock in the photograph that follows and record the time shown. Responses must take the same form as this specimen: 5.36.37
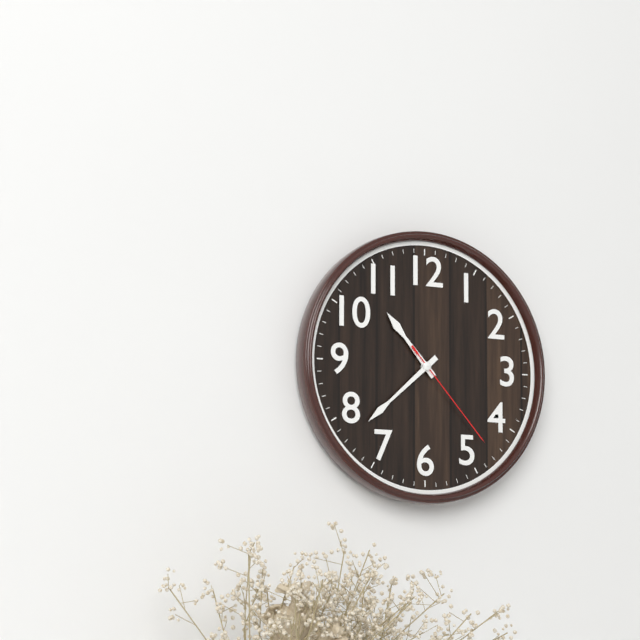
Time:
10.38.23
